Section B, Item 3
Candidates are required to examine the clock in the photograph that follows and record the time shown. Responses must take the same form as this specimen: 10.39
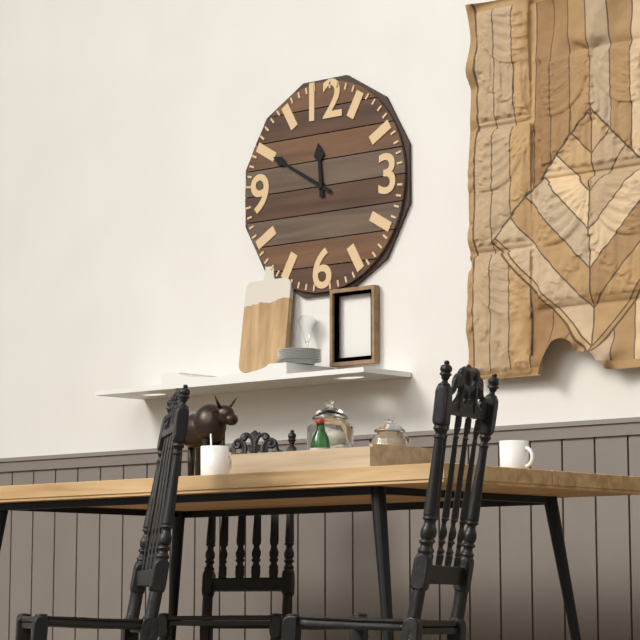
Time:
11.50
